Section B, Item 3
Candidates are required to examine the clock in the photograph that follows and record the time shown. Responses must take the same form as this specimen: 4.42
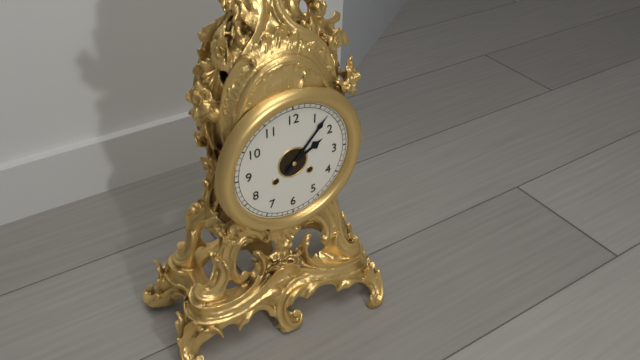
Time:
2.07
